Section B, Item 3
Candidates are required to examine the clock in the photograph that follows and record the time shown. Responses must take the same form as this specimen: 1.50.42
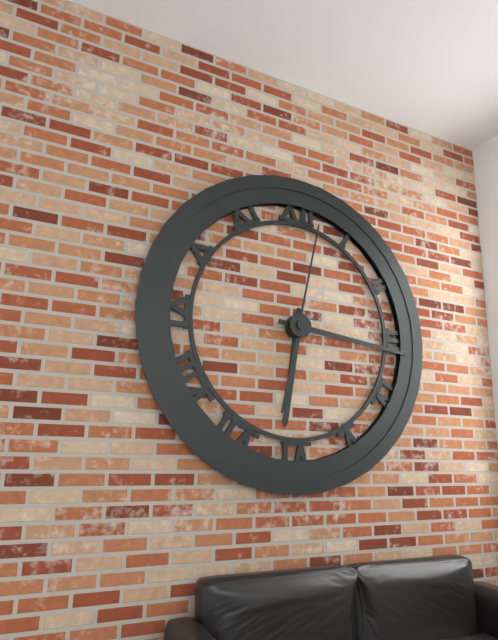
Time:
6.16.02
